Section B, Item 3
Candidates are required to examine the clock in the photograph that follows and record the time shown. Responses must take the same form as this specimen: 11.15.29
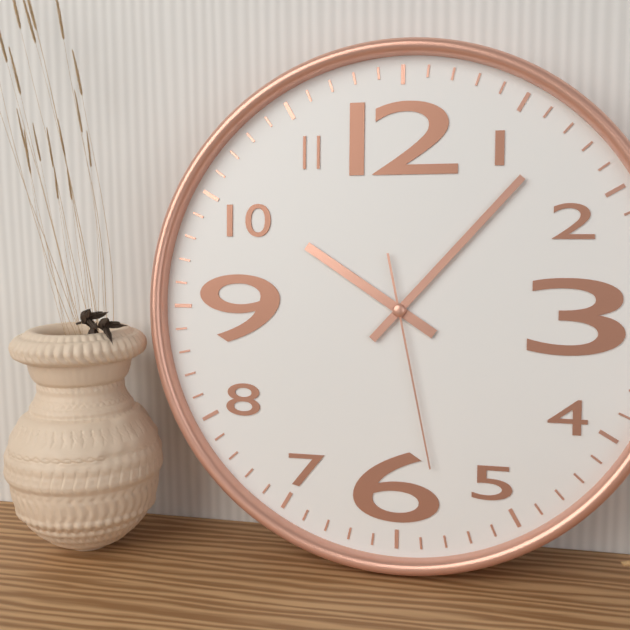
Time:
10.07.28
